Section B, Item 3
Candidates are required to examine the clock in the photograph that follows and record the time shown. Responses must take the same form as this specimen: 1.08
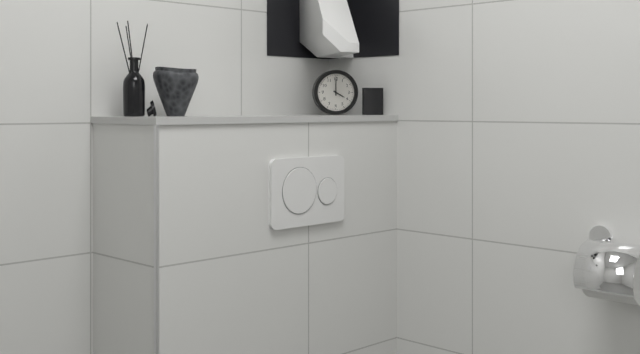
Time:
4.00
